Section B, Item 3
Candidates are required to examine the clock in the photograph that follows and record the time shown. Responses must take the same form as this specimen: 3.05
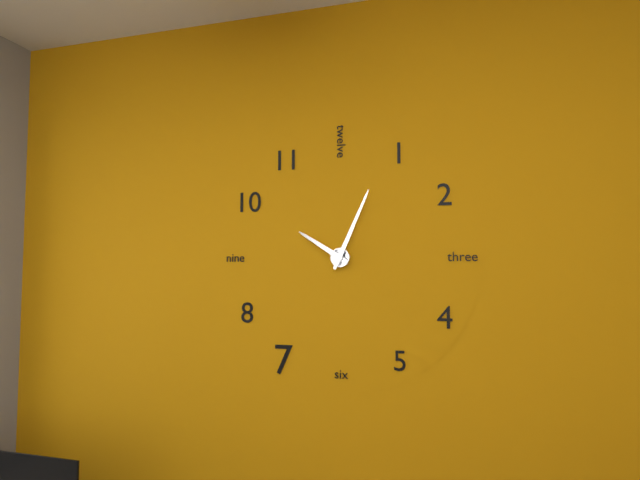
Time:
10.04
